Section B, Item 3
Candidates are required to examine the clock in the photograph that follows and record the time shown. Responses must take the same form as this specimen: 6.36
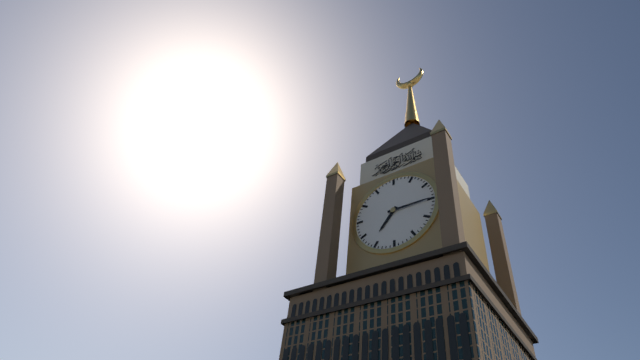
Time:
7.15
